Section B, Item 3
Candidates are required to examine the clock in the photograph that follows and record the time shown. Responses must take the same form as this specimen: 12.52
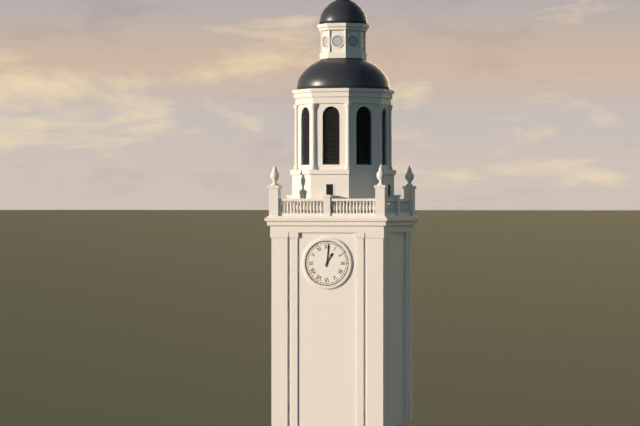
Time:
1.01
